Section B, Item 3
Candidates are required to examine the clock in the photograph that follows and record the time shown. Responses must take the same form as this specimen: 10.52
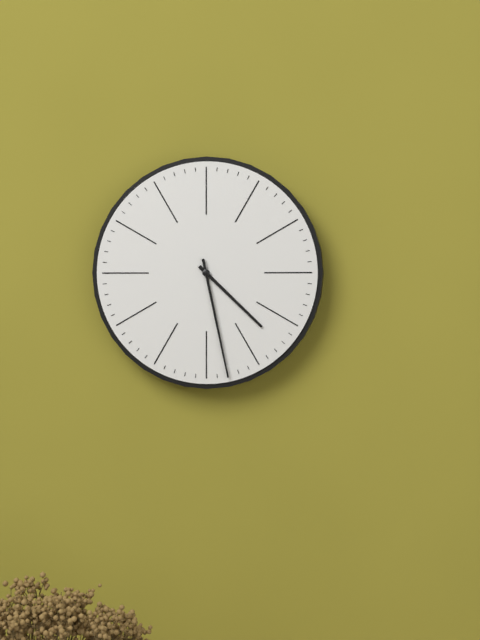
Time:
4.28
